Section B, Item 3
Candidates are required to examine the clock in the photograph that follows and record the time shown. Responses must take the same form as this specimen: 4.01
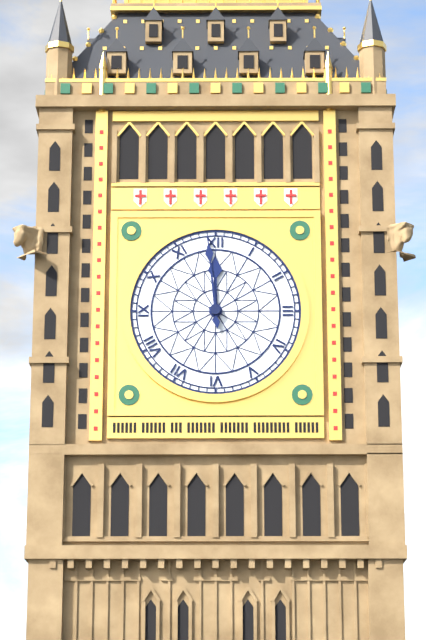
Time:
11.59
